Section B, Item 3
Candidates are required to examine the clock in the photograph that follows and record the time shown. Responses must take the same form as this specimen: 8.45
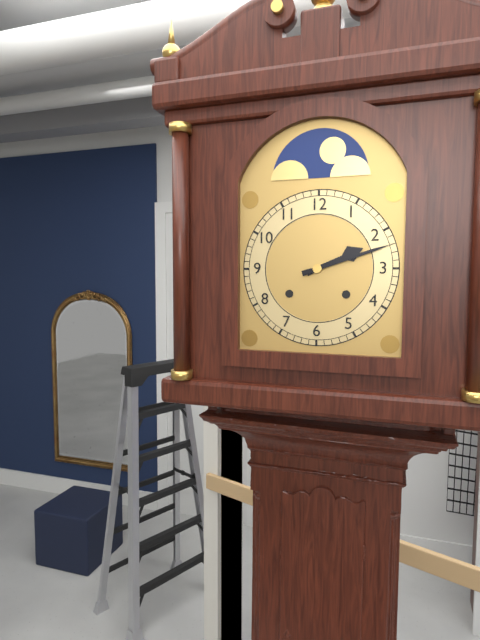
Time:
2.12
